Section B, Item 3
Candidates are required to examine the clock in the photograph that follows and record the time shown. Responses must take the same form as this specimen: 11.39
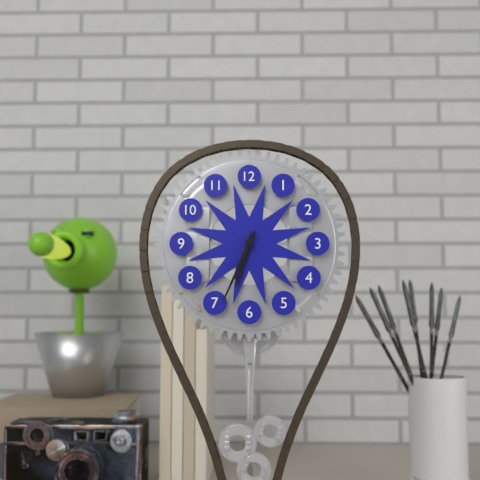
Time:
6.34
